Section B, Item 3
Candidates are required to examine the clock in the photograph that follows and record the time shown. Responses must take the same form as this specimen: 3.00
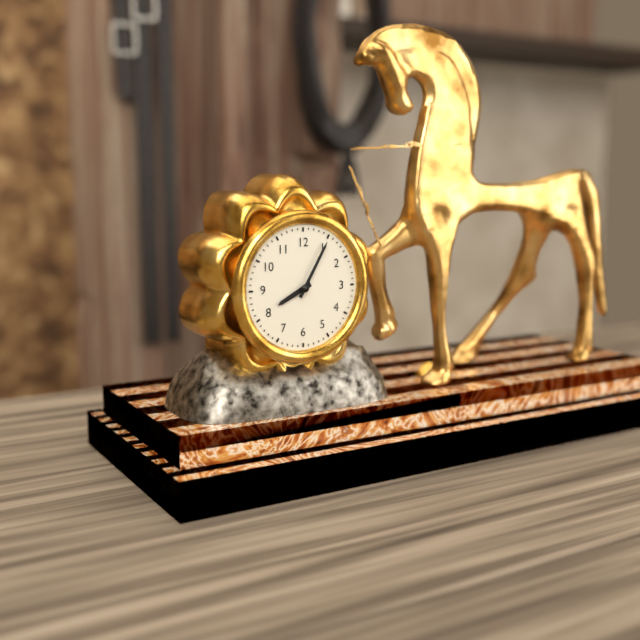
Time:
8.05
